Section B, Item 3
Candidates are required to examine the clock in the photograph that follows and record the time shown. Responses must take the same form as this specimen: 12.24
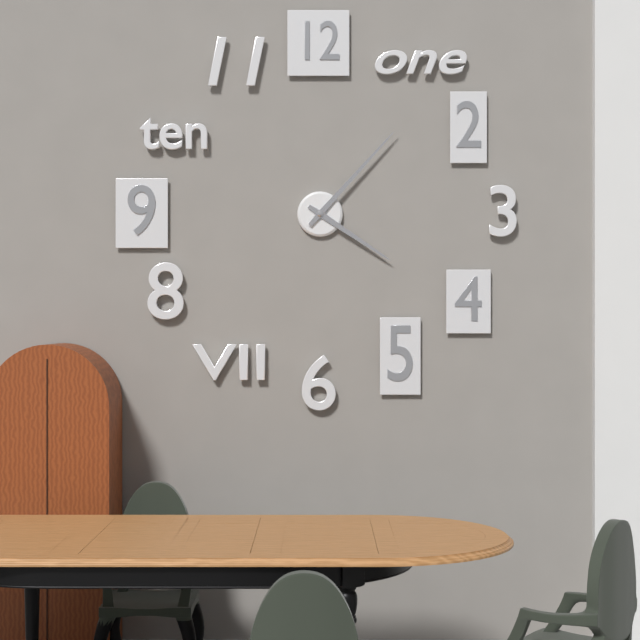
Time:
4.07
